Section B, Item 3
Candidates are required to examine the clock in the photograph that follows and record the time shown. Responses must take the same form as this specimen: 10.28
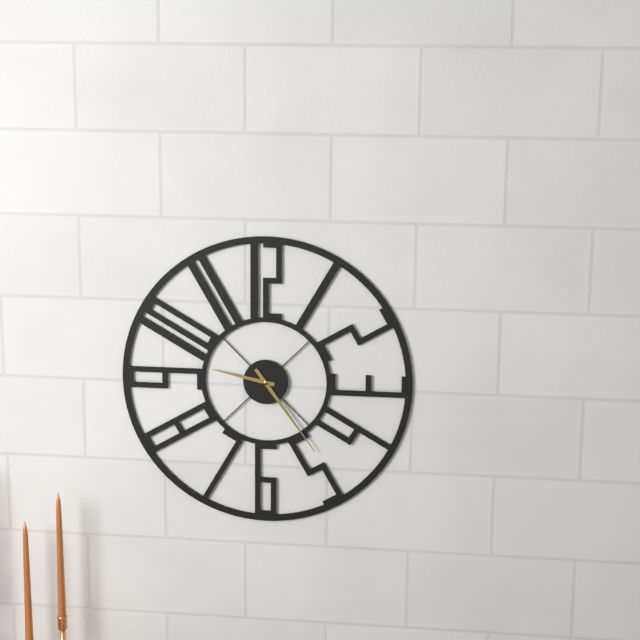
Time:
9.24
